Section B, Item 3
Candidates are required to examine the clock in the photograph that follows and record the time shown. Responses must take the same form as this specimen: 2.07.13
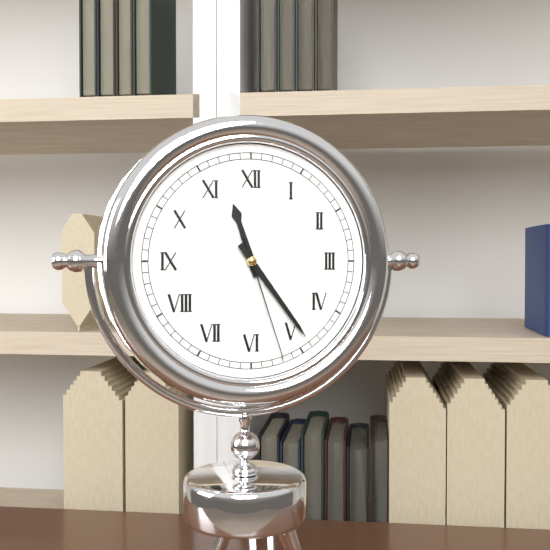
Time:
11.24.27
